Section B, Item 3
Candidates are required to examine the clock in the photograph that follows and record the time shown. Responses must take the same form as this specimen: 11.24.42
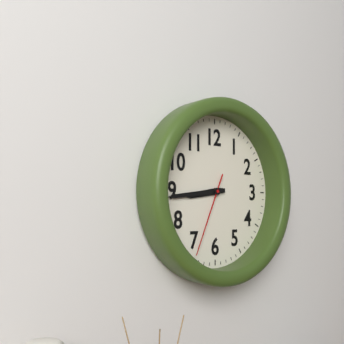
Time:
8.44.34
